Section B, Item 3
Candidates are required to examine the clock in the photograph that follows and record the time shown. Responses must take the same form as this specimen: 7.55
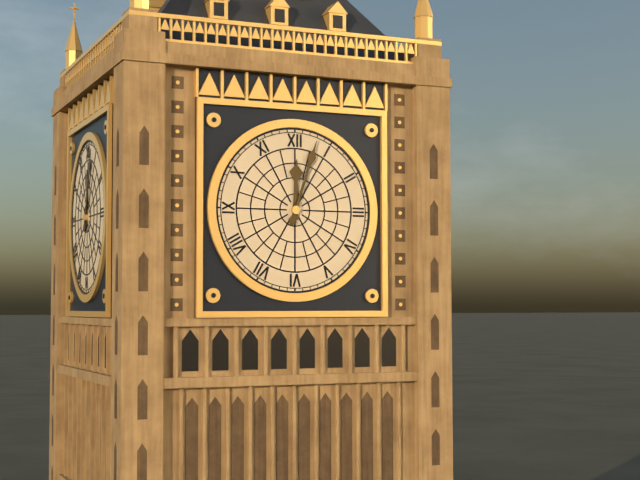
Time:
12.03
